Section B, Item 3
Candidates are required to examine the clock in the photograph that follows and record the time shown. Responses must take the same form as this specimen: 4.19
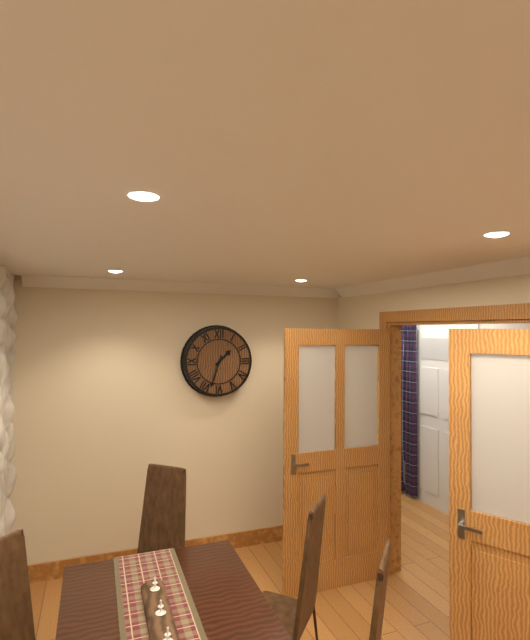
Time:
1.33
